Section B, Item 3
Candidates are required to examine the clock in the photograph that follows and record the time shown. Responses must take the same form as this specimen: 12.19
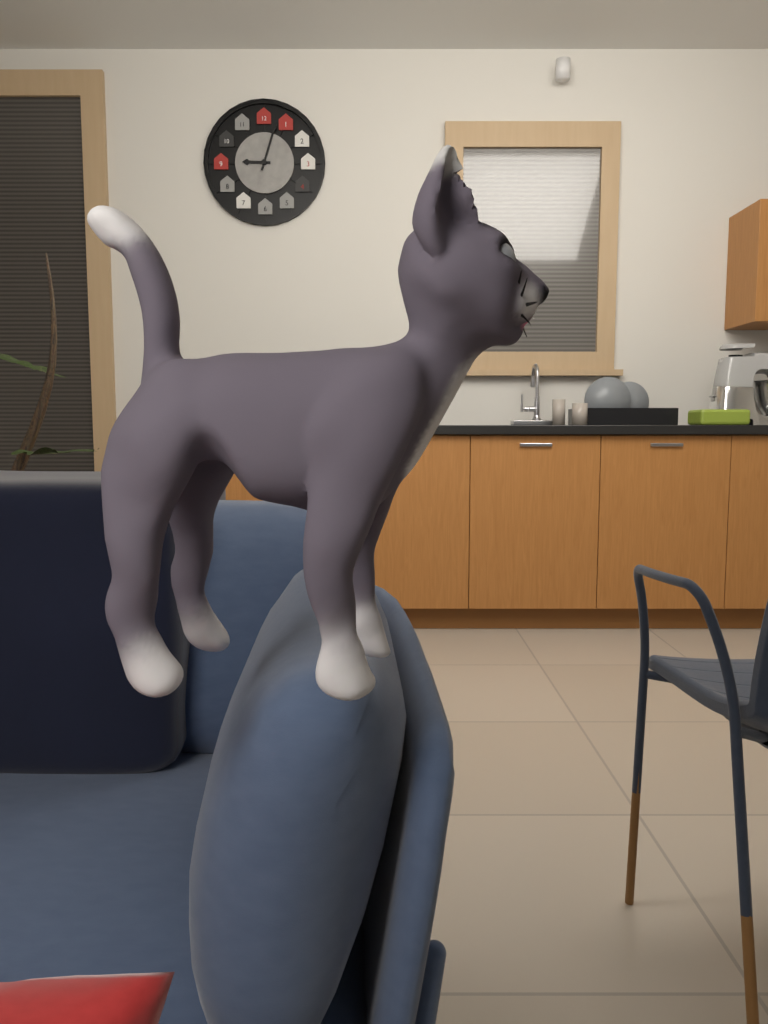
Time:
9.03
